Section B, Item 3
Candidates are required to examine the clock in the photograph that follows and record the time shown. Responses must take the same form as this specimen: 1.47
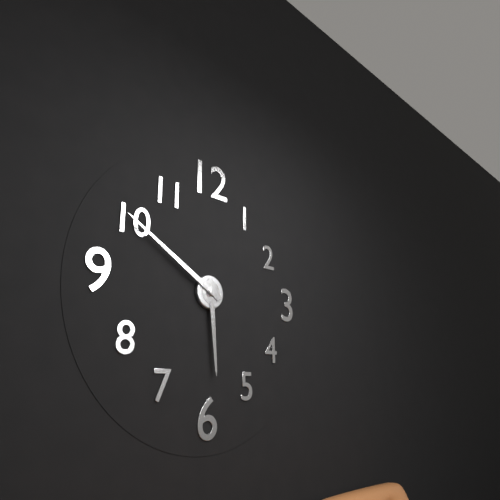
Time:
5.50
